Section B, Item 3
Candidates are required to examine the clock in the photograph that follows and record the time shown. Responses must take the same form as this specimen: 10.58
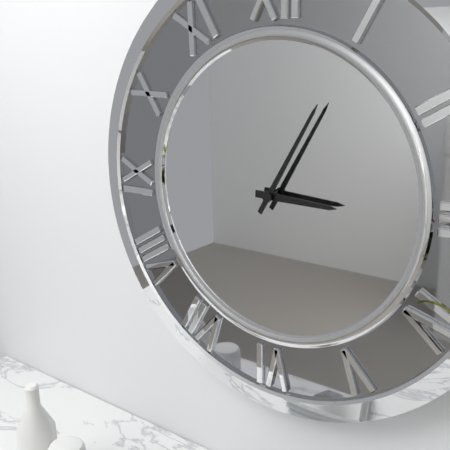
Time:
3.05
